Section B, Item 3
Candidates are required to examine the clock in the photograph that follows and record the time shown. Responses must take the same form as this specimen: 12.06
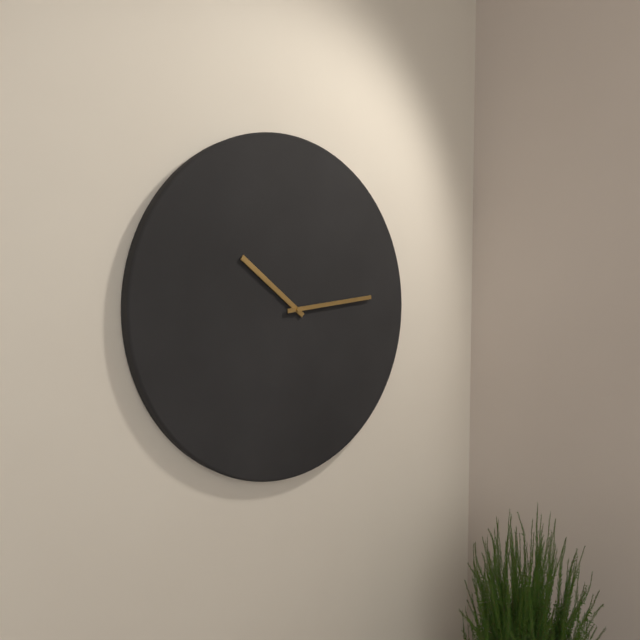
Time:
10.14
